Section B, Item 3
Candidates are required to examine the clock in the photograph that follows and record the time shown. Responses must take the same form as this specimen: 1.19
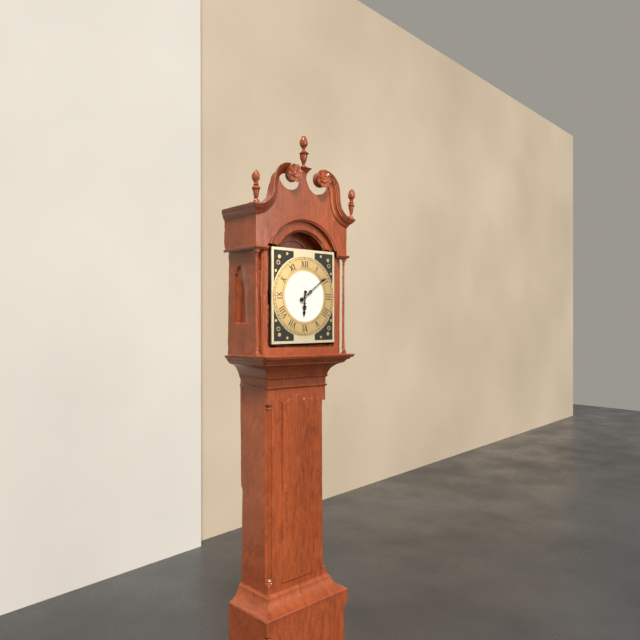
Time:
6.09
